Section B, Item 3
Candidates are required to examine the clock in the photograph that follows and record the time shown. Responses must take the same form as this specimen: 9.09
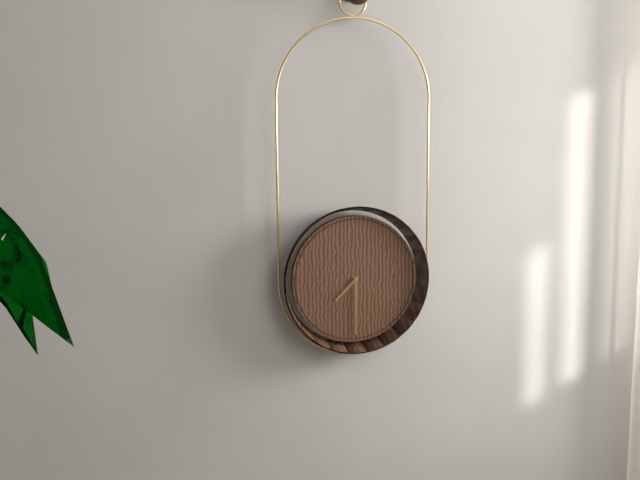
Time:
7.30
